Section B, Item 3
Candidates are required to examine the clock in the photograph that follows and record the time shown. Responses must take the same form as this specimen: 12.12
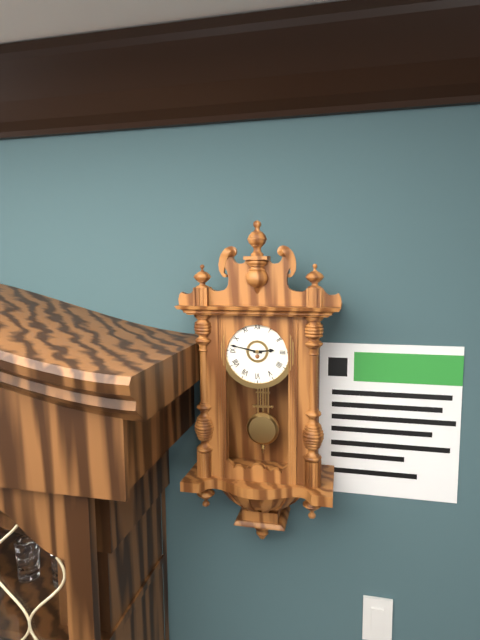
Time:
2.47
